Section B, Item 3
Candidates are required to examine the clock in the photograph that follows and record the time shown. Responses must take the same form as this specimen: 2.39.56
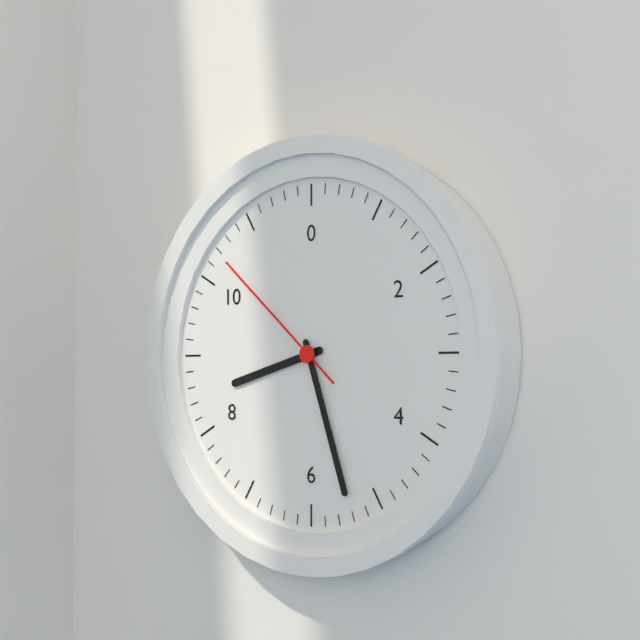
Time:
8.27.52
